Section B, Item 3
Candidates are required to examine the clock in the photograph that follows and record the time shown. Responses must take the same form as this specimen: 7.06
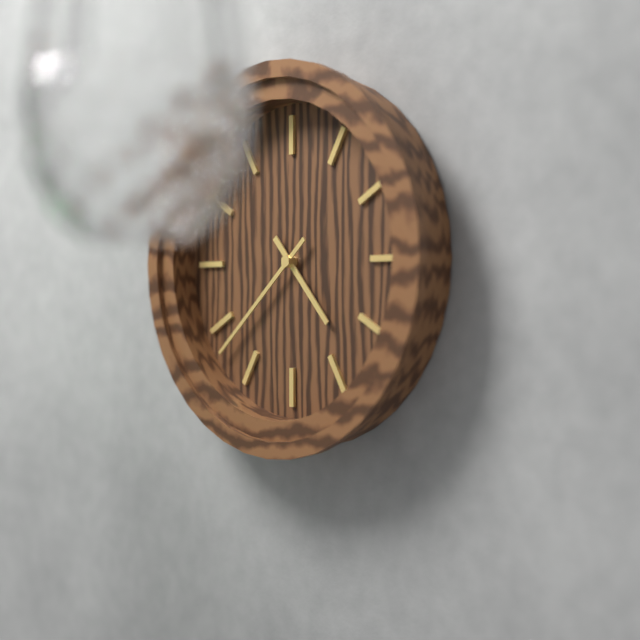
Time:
4.38
